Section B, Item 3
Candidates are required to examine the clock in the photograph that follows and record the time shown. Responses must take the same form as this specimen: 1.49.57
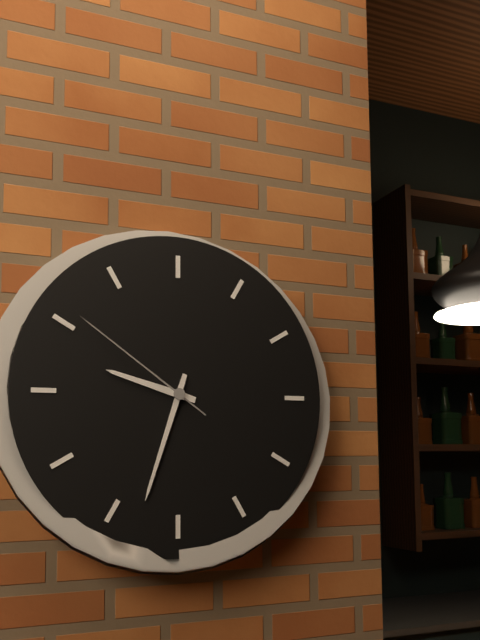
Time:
9.33.51
